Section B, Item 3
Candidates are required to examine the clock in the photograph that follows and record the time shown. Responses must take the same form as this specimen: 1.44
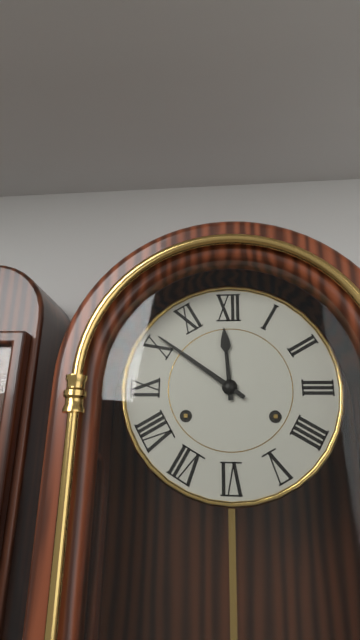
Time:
11.51
